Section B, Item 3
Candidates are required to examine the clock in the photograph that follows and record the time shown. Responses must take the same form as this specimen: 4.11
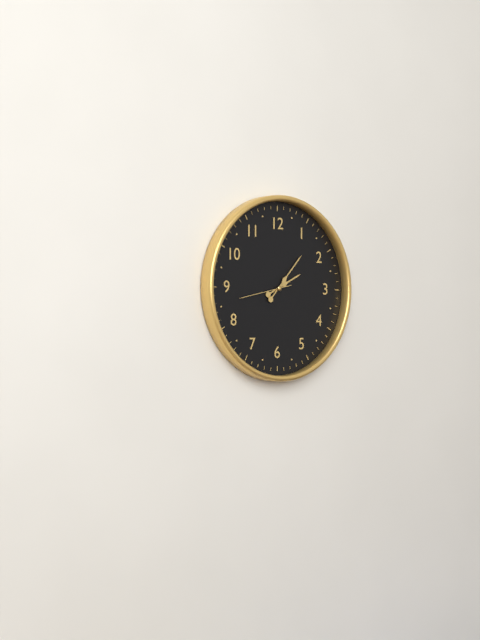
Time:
2.07
